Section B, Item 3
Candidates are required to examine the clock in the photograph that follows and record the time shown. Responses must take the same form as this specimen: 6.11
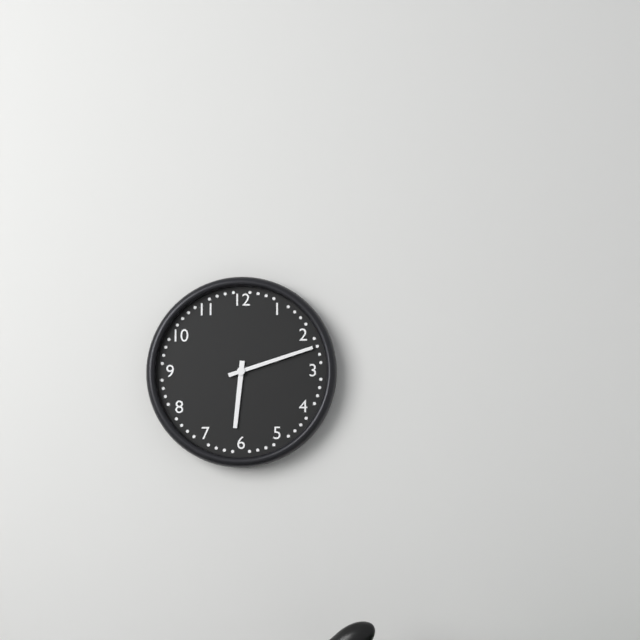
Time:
6.12
